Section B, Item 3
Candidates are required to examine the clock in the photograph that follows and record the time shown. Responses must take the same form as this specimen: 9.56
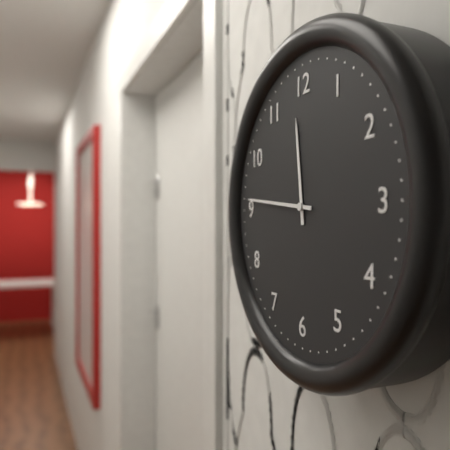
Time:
11.46
